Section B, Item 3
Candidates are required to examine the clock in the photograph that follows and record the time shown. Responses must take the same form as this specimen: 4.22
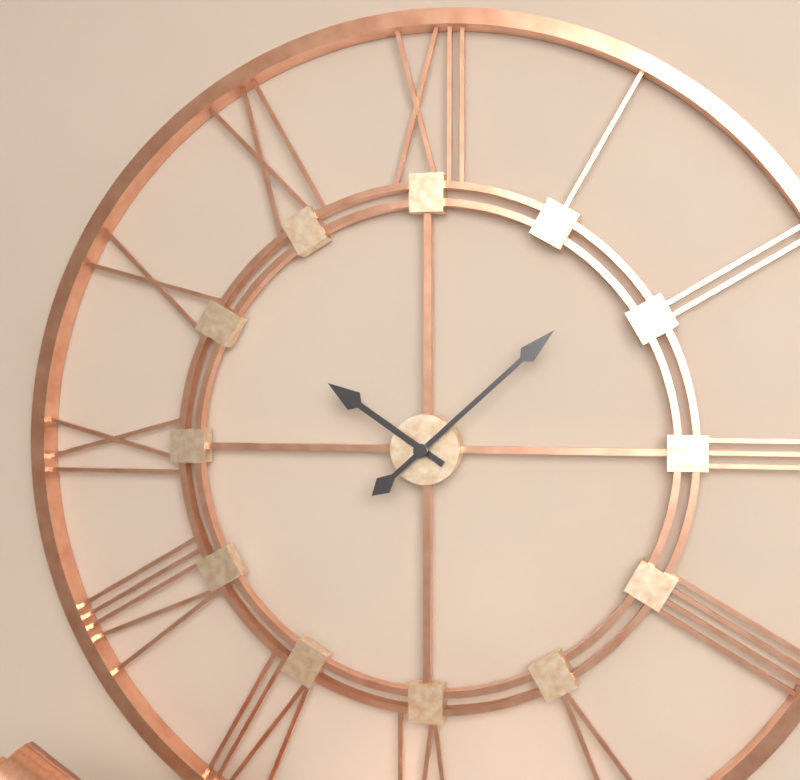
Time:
10.08
